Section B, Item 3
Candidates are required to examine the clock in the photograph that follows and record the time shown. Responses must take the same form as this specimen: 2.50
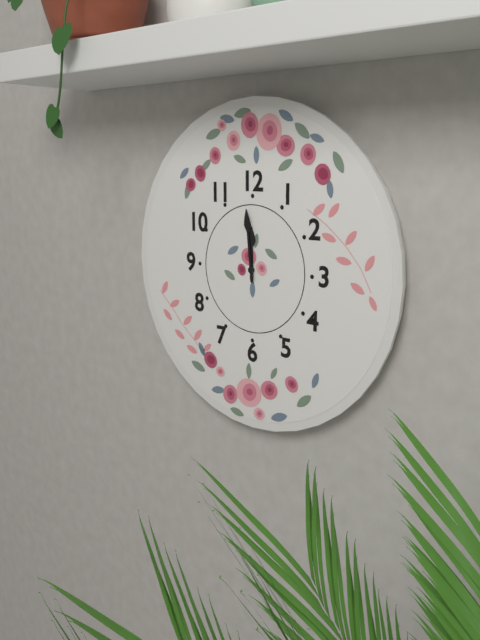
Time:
11.59
